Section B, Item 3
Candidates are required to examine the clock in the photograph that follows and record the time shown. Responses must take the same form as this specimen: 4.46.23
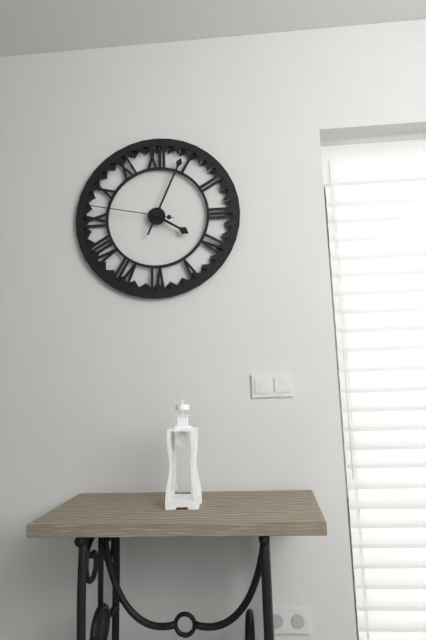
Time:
4.04.47
